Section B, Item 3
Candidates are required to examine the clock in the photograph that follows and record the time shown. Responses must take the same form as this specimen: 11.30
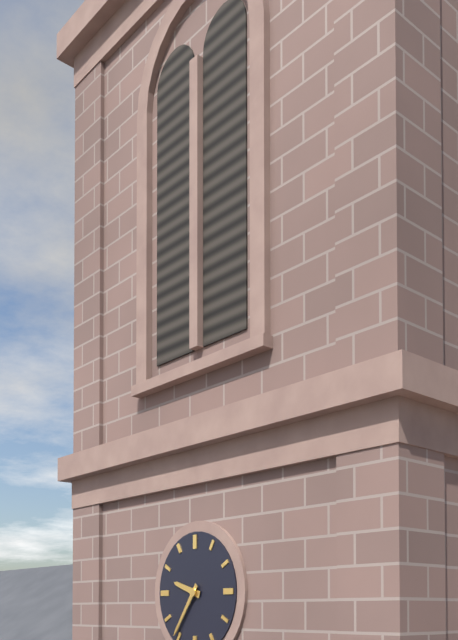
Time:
9.36
